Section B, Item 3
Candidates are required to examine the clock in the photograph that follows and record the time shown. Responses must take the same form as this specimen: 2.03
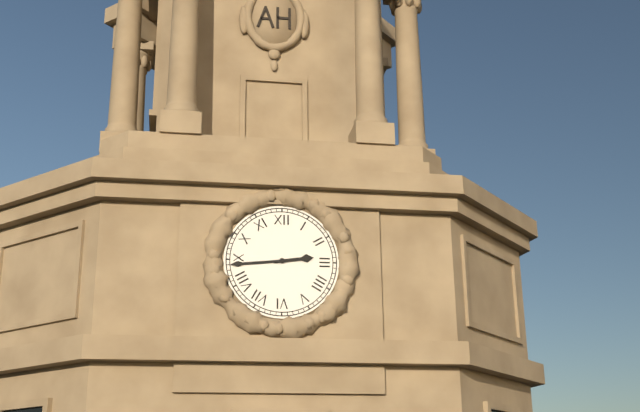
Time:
2.44
